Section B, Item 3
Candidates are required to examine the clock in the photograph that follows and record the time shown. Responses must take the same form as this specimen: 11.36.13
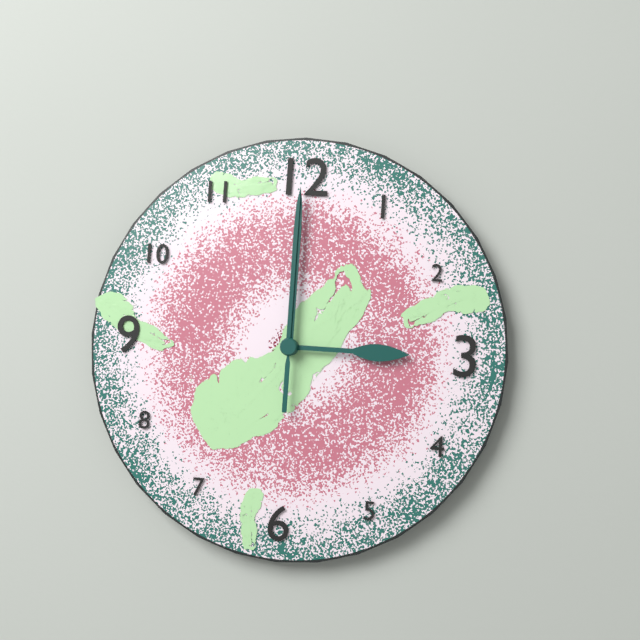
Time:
3.00.00
